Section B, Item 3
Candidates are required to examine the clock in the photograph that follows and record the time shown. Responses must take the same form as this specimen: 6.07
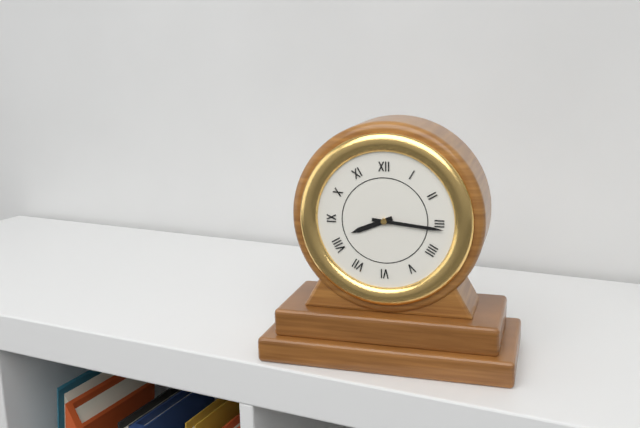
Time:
8.16
